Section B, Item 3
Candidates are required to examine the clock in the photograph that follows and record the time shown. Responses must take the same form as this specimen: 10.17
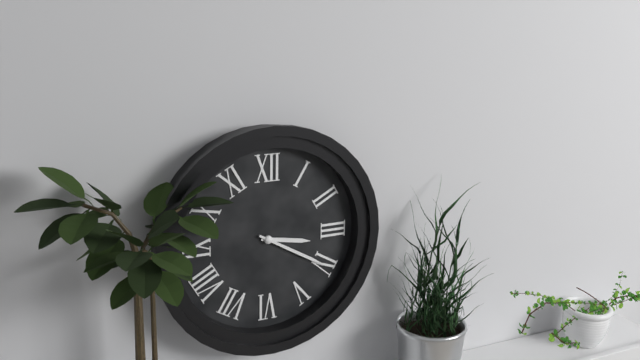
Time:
3.20
